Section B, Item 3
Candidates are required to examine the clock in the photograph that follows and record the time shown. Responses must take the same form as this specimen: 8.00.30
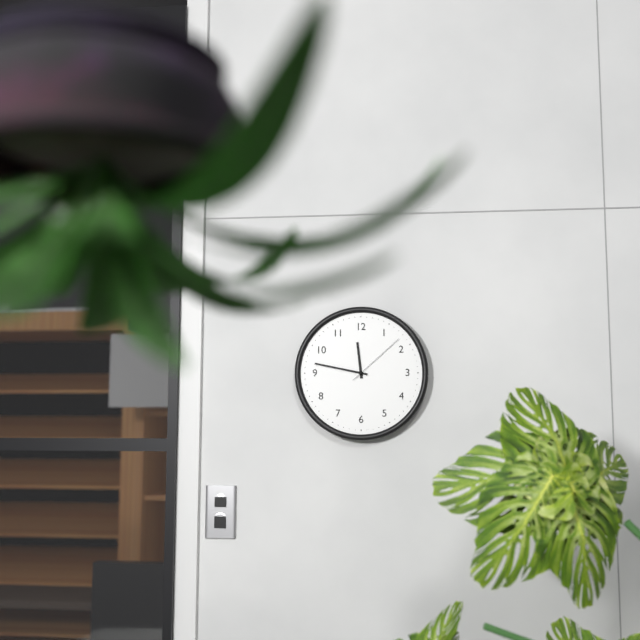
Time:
11.47.08
